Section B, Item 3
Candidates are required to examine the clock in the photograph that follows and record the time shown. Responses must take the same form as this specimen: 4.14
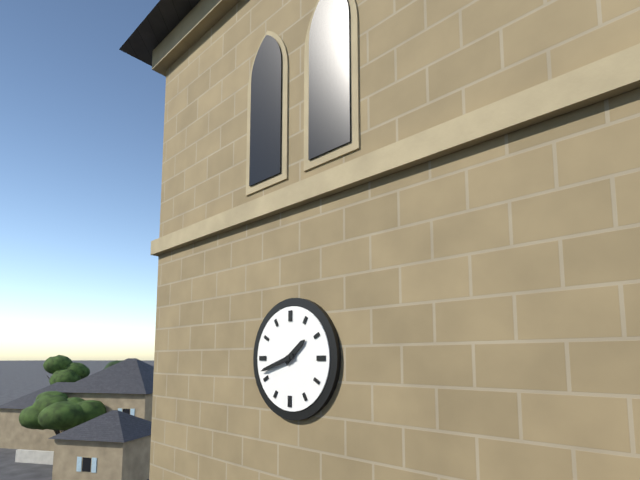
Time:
1.42
